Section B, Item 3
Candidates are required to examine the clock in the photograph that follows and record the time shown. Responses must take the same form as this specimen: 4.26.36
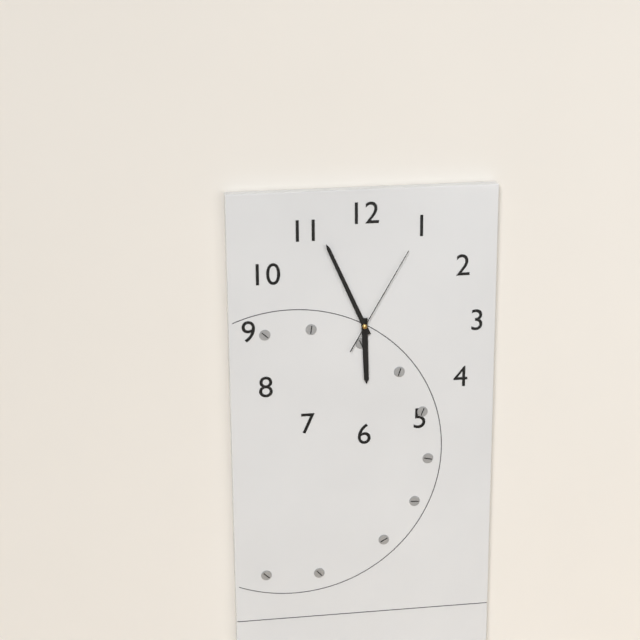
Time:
5.56.05
